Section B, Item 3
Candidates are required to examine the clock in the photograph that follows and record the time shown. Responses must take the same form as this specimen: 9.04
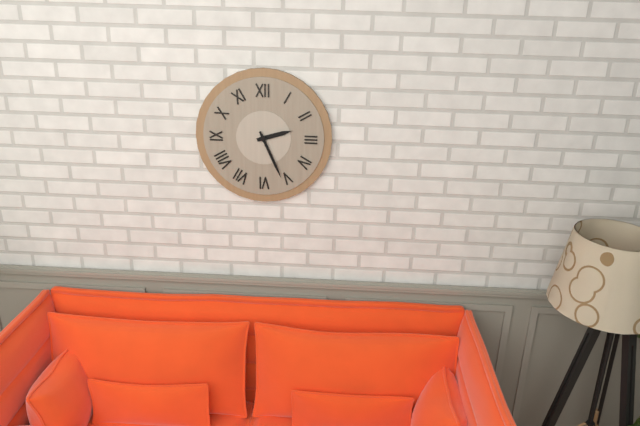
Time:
2.26
